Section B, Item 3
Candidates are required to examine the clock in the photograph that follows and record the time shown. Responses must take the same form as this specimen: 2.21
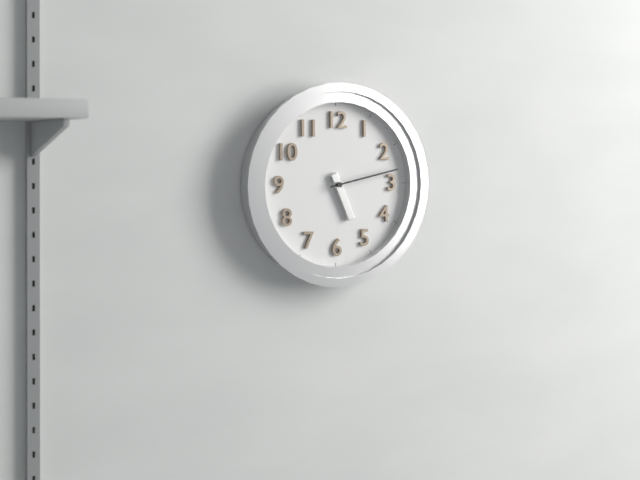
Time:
5.13
